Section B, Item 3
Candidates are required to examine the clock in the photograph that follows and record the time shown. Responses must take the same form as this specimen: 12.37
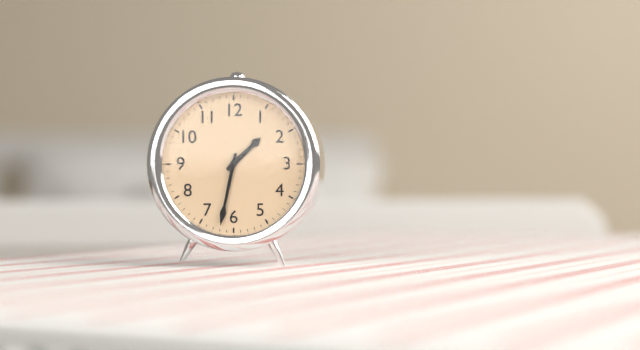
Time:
1.32
